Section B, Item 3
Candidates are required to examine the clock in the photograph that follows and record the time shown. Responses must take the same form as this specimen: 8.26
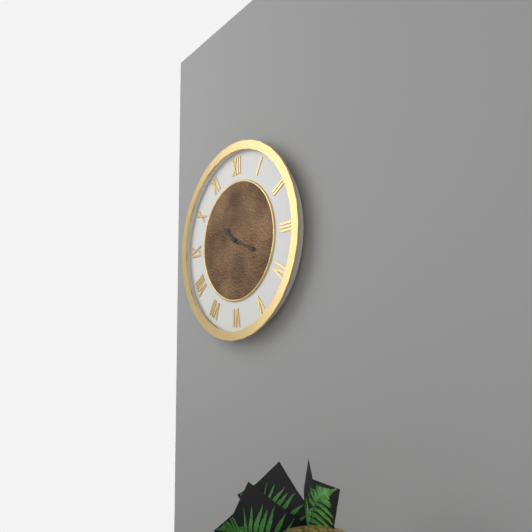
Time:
10.19
